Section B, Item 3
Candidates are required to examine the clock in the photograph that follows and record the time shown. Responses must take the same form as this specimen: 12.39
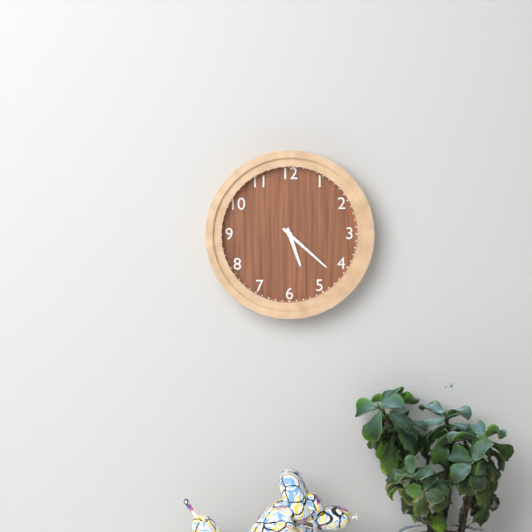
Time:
5.22
